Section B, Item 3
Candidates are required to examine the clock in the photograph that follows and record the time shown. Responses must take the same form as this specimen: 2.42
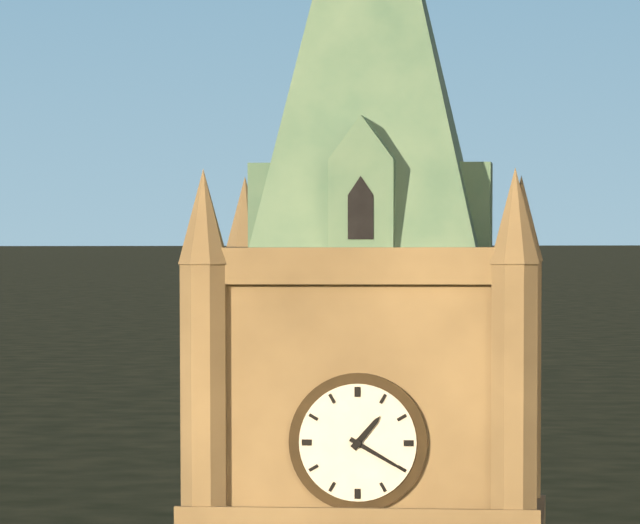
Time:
1.20
